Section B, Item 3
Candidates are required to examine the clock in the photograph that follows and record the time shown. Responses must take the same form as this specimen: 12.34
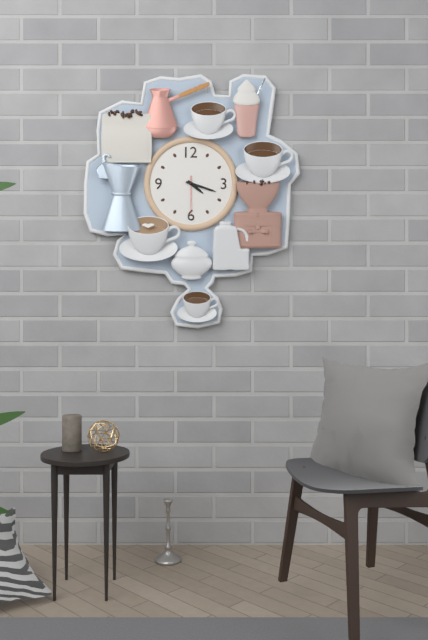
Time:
4.18
